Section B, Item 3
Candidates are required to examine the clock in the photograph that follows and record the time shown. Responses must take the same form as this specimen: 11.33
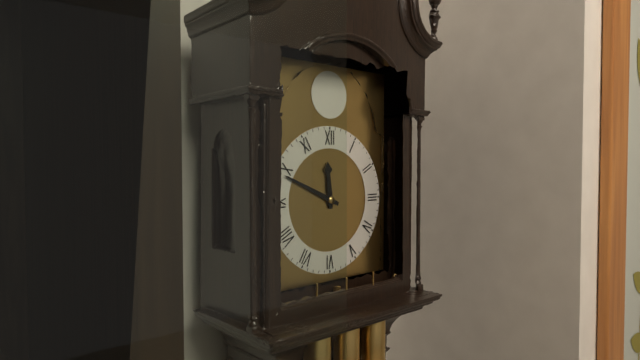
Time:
11.49
